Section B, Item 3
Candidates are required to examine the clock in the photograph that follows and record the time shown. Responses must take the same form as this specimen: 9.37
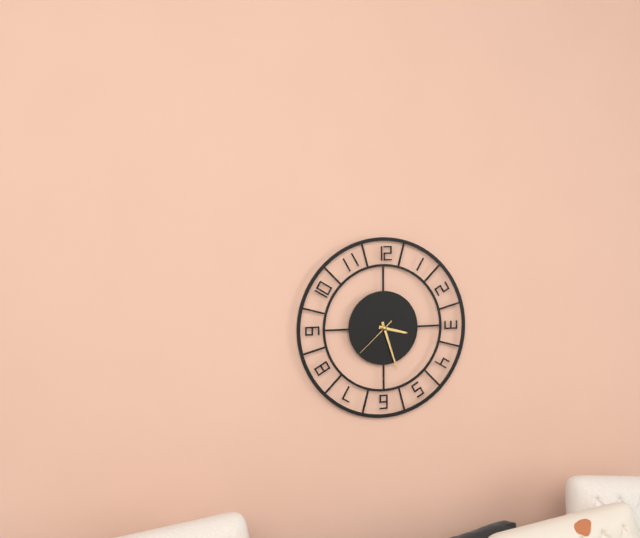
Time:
3.27
